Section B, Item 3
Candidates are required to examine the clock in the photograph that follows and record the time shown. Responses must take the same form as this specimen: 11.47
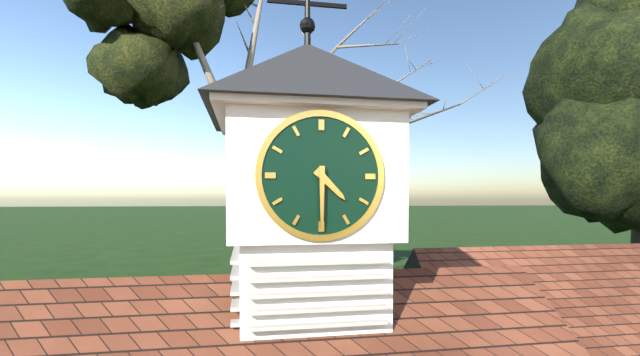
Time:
4.30
